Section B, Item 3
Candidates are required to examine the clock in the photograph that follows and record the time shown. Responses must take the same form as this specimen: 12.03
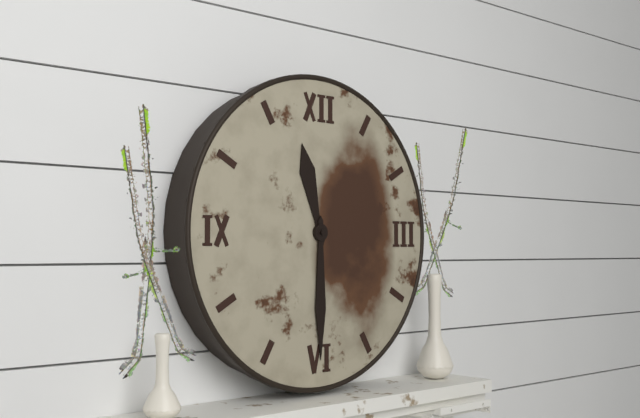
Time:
11.30
